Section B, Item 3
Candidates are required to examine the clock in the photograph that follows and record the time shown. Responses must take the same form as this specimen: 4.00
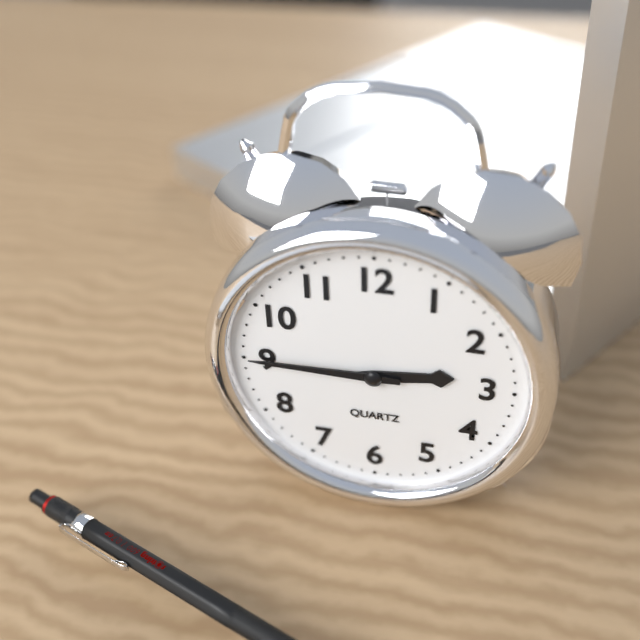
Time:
2.45
